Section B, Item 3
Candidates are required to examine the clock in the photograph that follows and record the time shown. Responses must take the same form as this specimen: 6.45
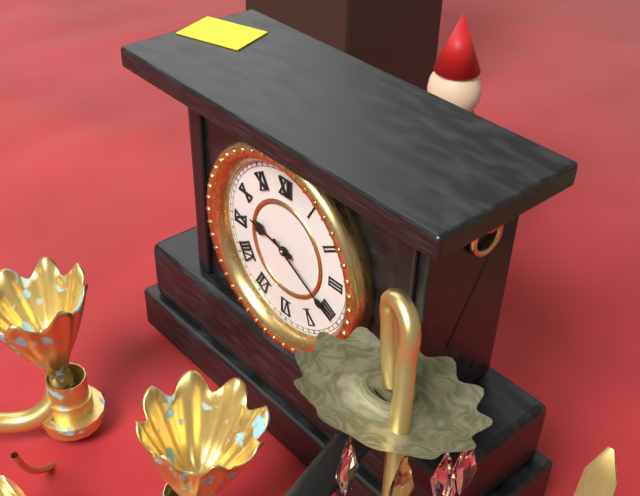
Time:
9.20
